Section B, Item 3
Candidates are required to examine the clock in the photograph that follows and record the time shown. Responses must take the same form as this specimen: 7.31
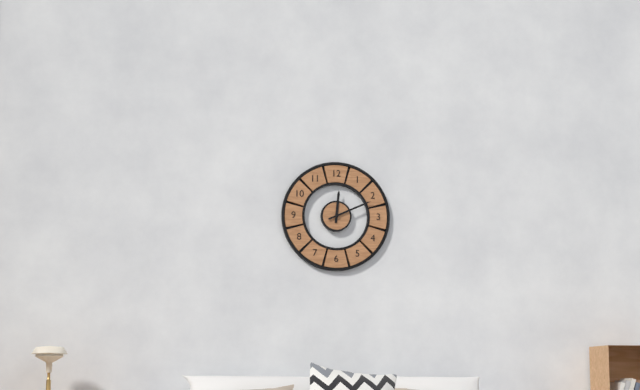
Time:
12.11
